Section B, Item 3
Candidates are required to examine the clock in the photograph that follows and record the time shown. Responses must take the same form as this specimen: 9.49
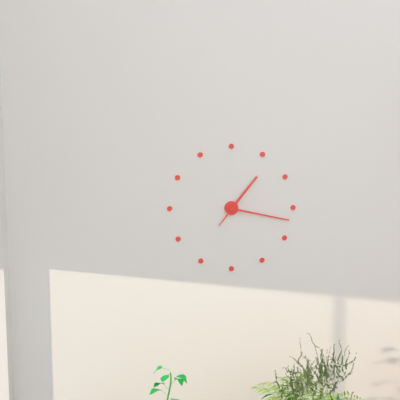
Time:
1.17
